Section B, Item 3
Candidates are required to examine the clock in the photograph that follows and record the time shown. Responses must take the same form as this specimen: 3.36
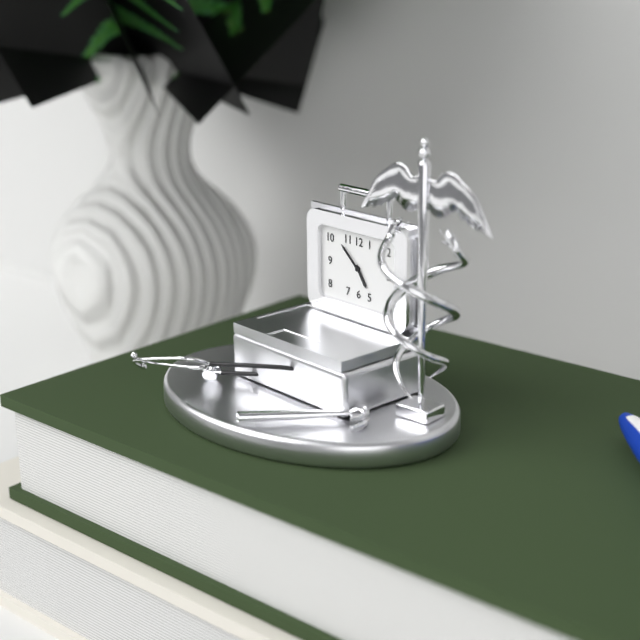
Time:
4.52
